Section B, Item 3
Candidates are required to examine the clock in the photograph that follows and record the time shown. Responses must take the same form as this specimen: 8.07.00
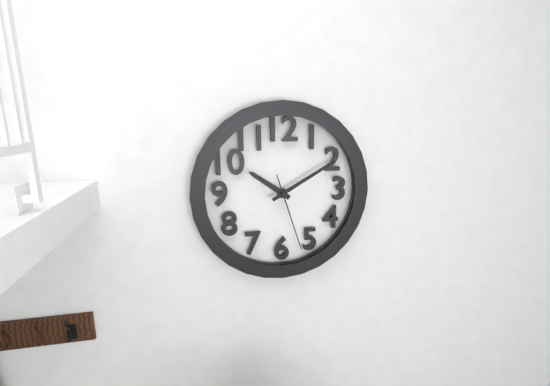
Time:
10.10.27
